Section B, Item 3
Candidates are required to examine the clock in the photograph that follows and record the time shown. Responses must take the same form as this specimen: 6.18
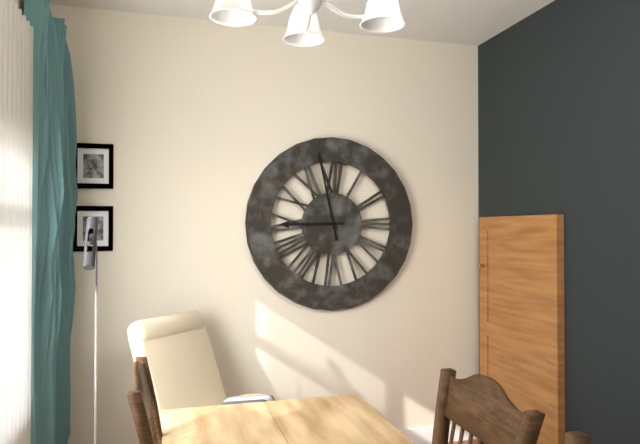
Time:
8.58
